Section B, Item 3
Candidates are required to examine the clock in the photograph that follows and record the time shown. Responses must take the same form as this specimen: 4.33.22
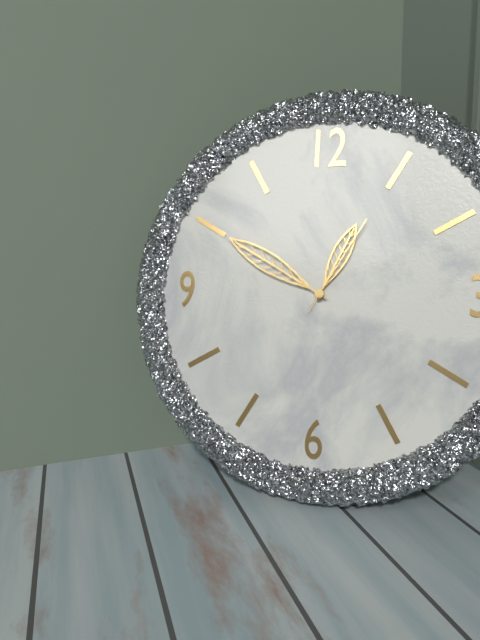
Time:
12.50.05
